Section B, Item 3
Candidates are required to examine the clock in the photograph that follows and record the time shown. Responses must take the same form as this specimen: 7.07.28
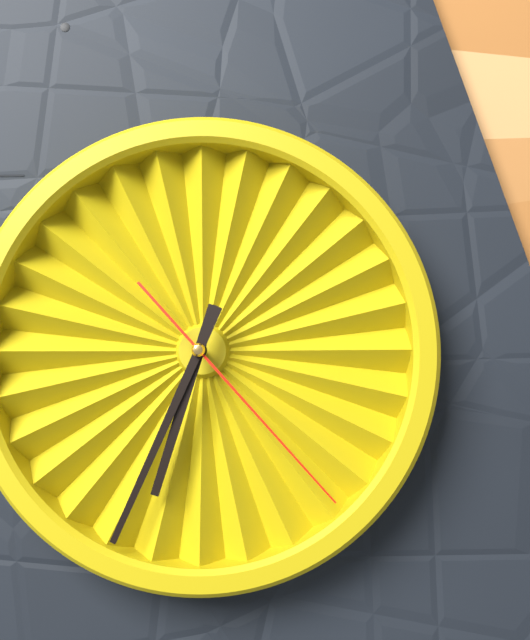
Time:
6.34.23
